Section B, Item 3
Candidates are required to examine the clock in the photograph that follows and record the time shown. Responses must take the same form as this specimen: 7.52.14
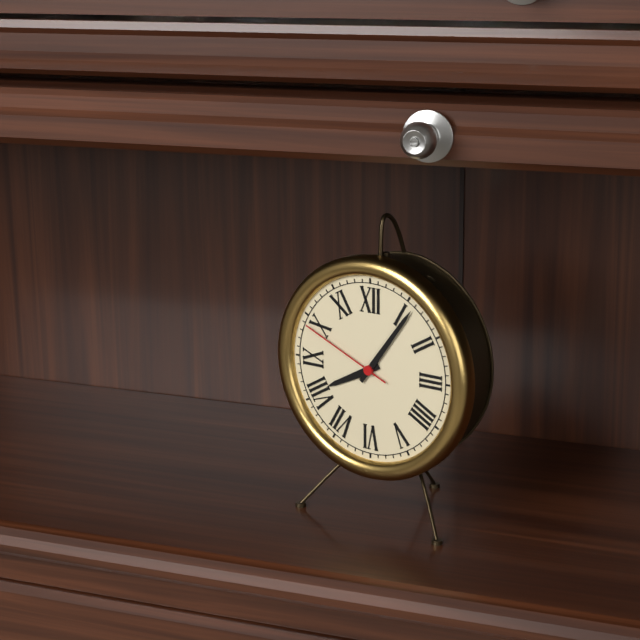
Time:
8.06.49
